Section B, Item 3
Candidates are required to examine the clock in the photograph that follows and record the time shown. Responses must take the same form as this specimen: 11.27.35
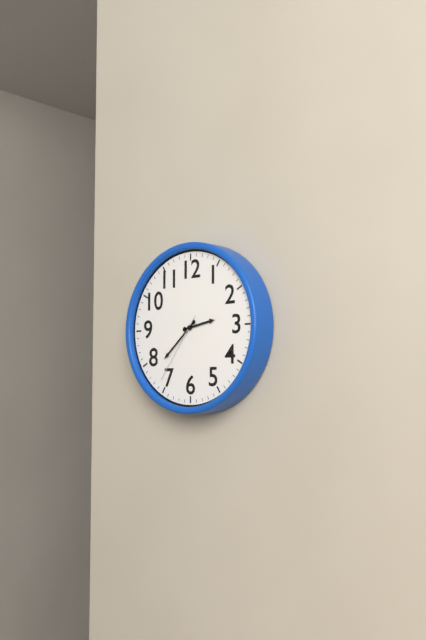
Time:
2.38.36
